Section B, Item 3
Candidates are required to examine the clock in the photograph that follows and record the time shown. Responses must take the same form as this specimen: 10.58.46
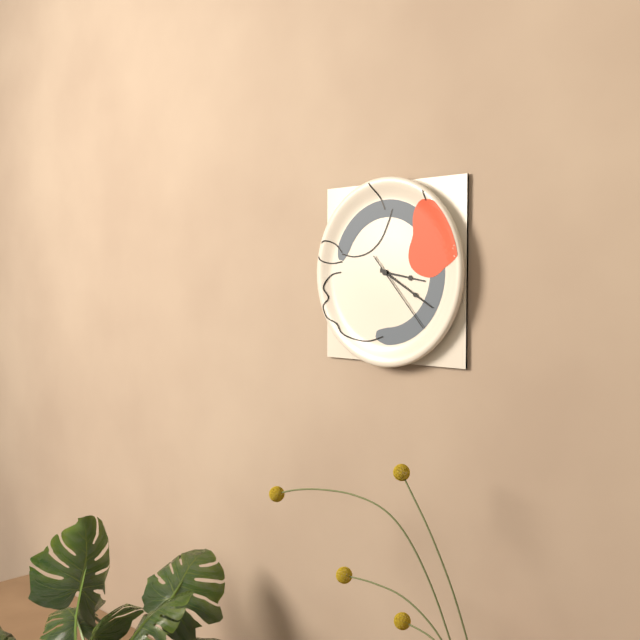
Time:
3.20.23
